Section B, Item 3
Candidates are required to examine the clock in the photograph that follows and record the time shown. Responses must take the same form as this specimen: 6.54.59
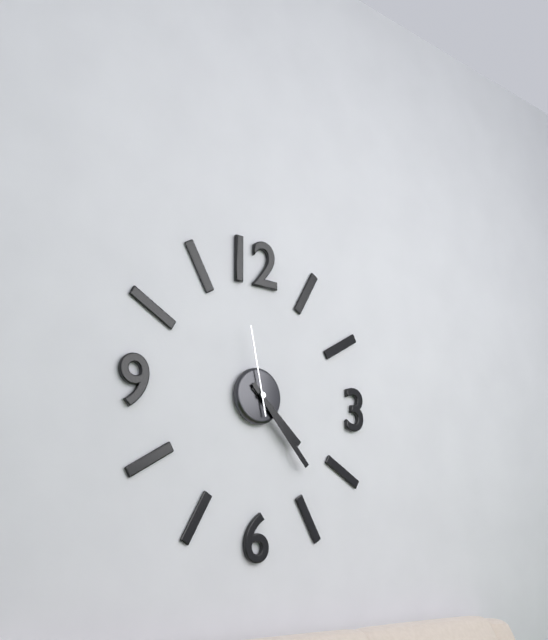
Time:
4.23.58
